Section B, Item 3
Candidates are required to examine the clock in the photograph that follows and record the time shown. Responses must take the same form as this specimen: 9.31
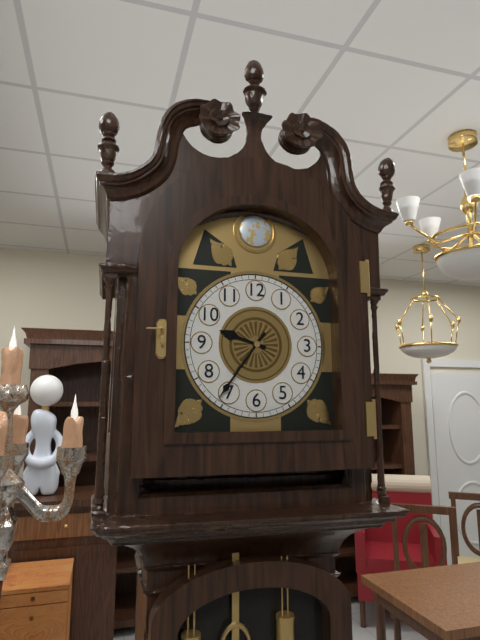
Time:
9.36
